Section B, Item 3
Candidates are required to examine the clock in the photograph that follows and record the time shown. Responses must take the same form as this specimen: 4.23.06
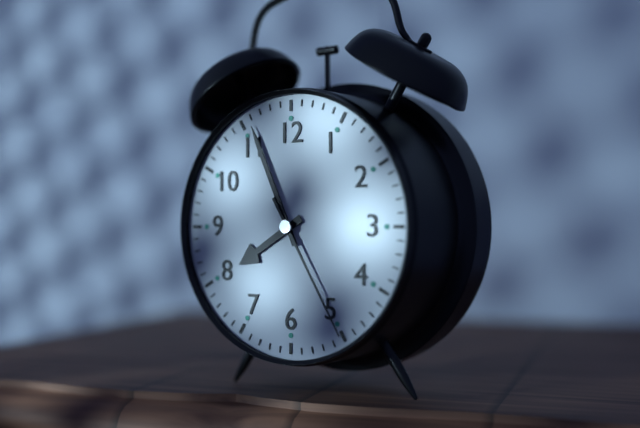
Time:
7.56.25
